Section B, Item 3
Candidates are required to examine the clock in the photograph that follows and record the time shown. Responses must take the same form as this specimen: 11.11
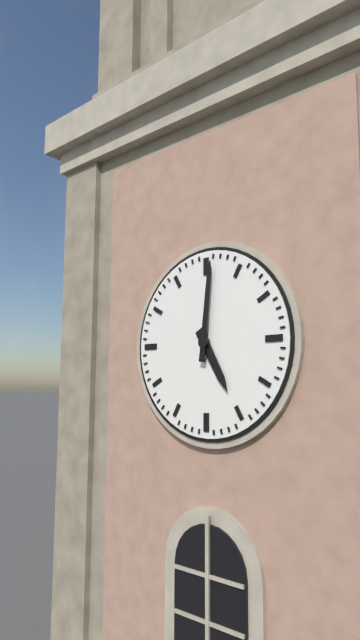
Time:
5.01
